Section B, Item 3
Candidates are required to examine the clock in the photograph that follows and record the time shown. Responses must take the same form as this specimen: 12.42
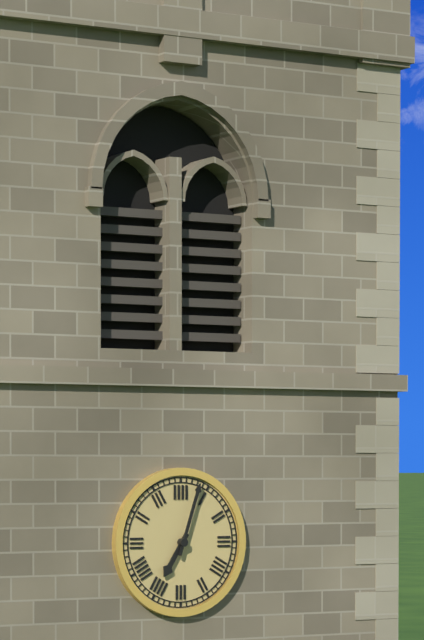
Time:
7.03
